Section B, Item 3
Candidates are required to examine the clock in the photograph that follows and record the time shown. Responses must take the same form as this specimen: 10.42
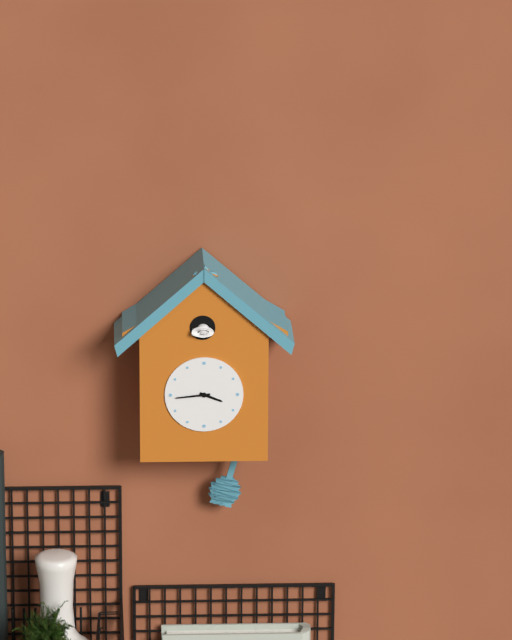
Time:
3.44
